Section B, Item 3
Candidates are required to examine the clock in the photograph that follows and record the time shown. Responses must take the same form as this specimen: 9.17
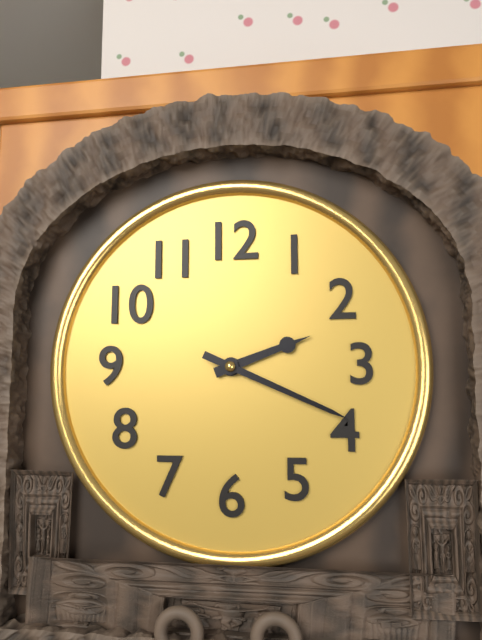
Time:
2.19
